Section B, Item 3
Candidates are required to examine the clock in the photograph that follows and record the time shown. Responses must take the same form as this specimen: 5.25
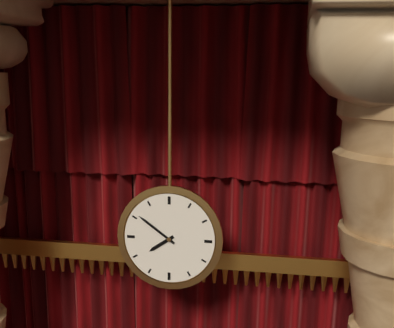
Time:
7.51
